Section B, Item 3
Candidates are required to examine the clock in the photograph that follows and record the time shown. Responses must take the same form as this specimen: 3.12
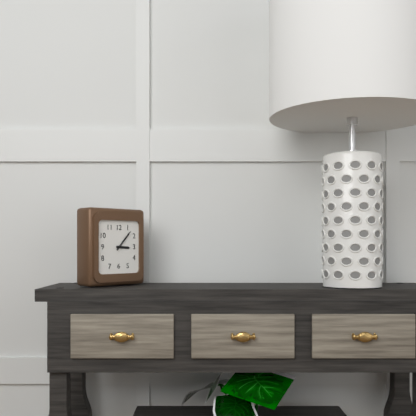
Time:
3.07
